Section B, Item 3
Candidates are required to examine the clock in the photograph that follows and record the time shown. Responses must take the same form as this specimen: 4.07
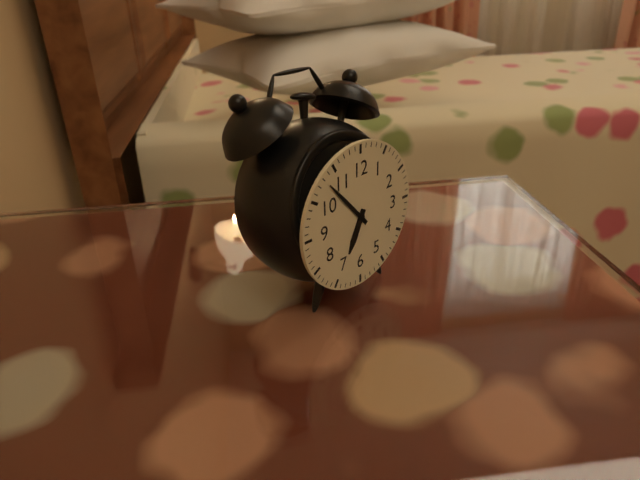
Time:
6.53
